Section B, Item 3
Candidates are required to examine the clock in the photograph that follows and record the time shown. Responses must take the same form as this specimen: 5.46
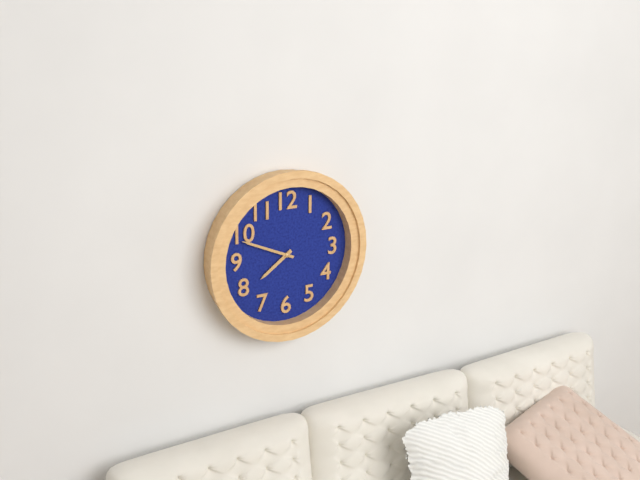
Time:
7.49
